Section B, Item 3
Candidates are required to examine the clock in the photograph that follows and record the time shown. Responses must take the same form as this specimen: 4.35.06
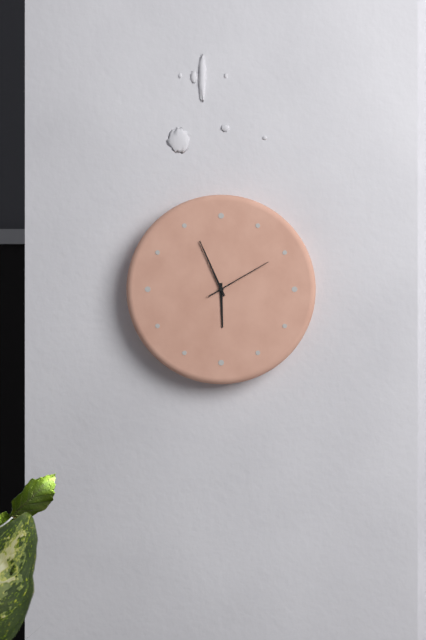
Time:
5.56.10
